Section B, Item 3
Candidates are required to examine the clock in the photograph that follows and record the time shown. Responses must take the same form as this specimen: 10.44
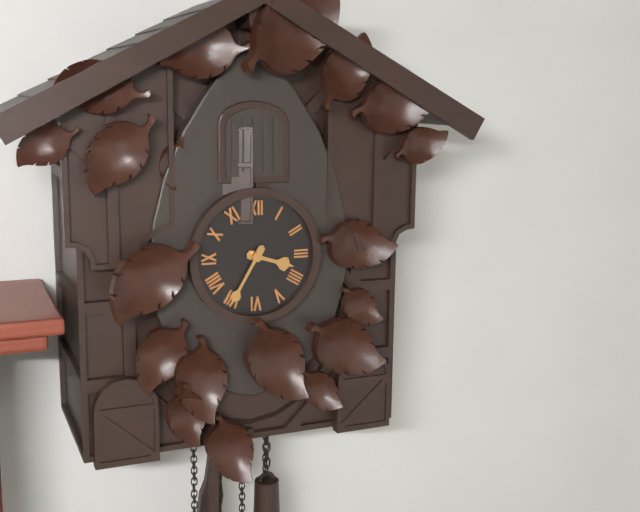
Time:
3.35
